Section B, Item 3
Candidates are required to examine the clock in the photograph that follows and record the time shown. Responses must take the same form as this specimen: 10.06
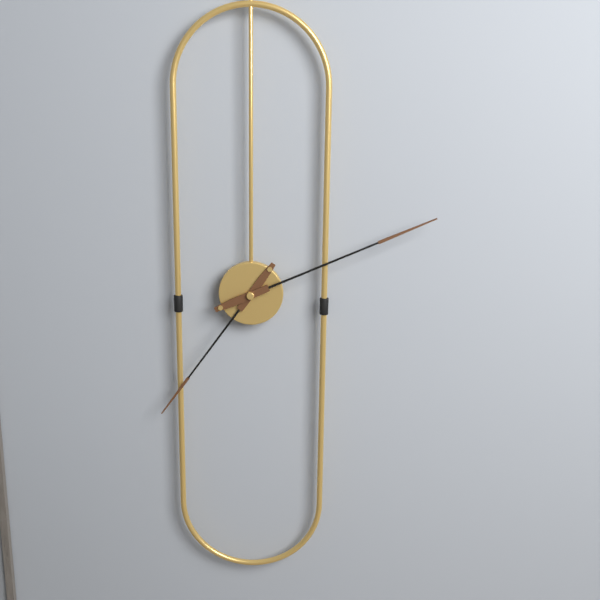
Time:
7.11
